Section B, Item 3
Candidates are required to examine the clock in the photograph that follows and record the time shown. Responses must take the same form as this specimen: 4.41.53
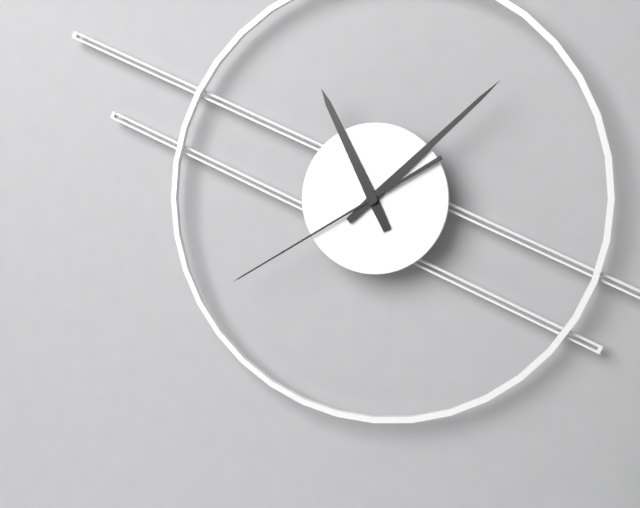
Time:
11.08.40
